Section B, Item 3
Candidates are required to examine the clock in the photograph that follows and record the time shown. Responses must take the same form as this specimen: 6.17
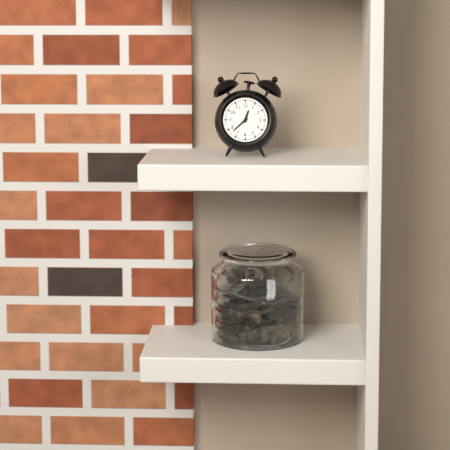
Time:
12.38
